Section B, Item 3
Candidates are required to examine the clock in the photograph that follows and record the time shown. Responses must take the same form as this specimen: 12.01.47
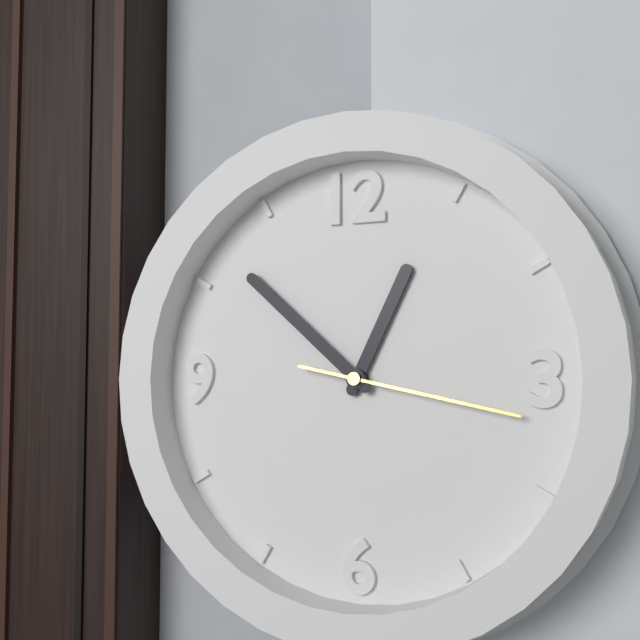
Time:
12.52.17
